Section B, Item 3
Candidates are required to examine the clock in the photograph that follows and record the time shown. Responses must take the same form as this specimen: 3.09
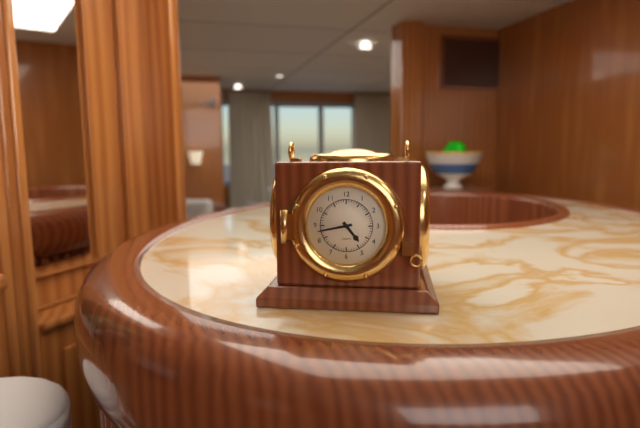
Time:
4.43
